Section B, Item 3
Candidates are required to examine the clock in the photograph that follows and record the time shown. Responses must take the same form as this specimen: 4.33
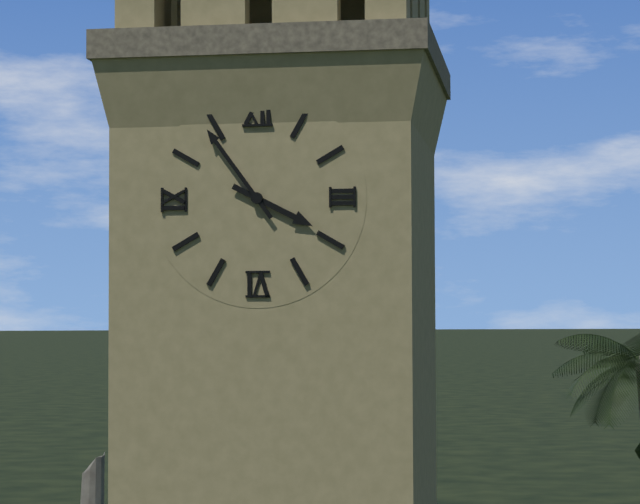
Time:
3.54
